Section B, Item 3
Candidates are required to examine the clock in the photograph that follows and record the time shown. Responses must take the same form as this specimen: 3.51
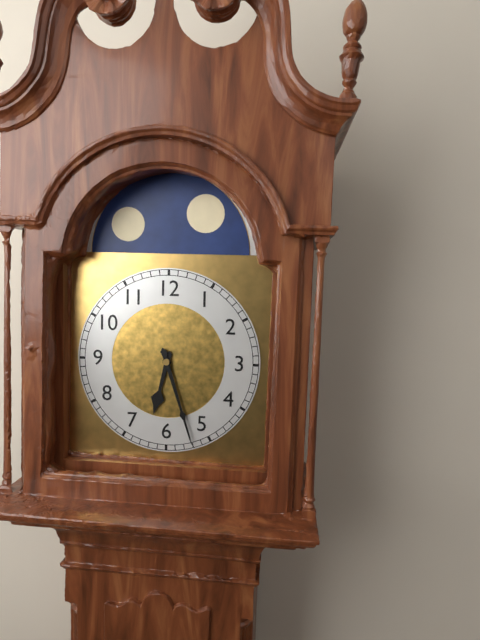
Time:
6.27
